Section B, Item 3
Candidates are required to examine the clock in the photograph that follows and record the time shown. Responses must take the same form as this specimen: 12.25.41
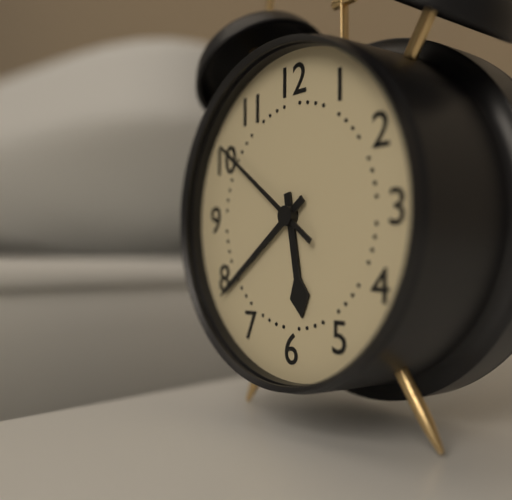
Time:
5.39.51
